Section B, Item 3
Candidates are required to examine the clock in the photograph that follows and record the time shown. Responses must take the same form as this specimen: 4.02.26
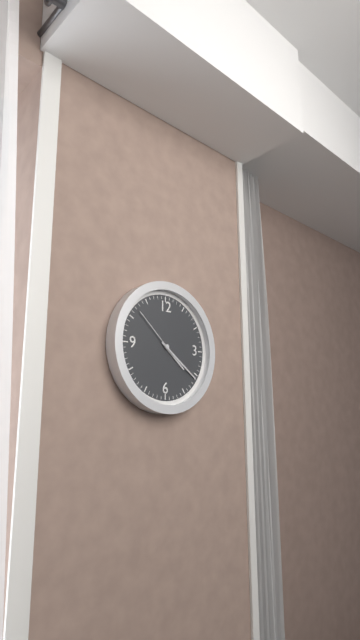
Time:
4.21.52
